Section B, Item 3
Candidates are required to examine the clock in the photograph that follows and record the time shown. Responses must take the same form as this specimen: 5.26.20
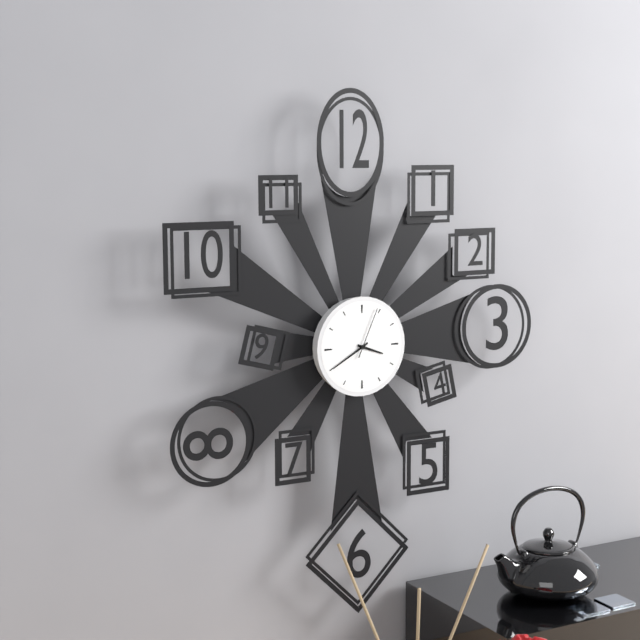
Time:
3.40.04
